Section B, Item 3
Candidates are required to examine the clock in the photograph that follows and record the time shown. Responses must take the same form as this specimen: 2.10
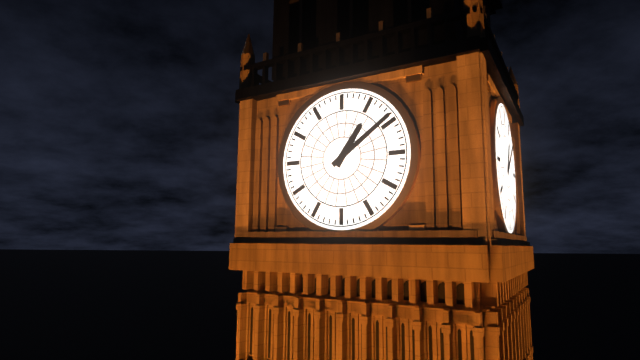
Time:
1.09
